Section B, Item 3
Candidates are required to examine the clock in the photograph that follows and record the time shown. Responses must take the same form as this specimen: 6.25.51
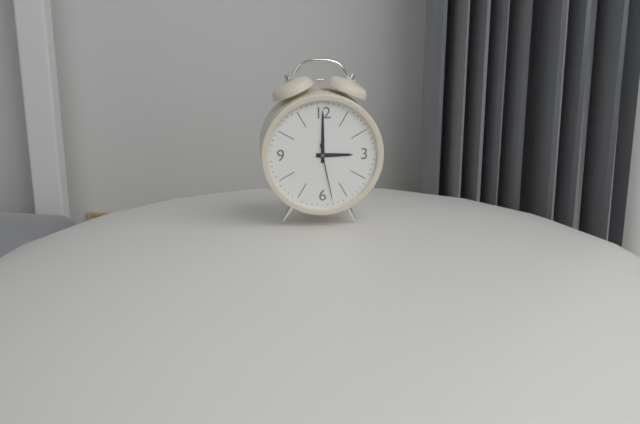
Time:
3.00.28
